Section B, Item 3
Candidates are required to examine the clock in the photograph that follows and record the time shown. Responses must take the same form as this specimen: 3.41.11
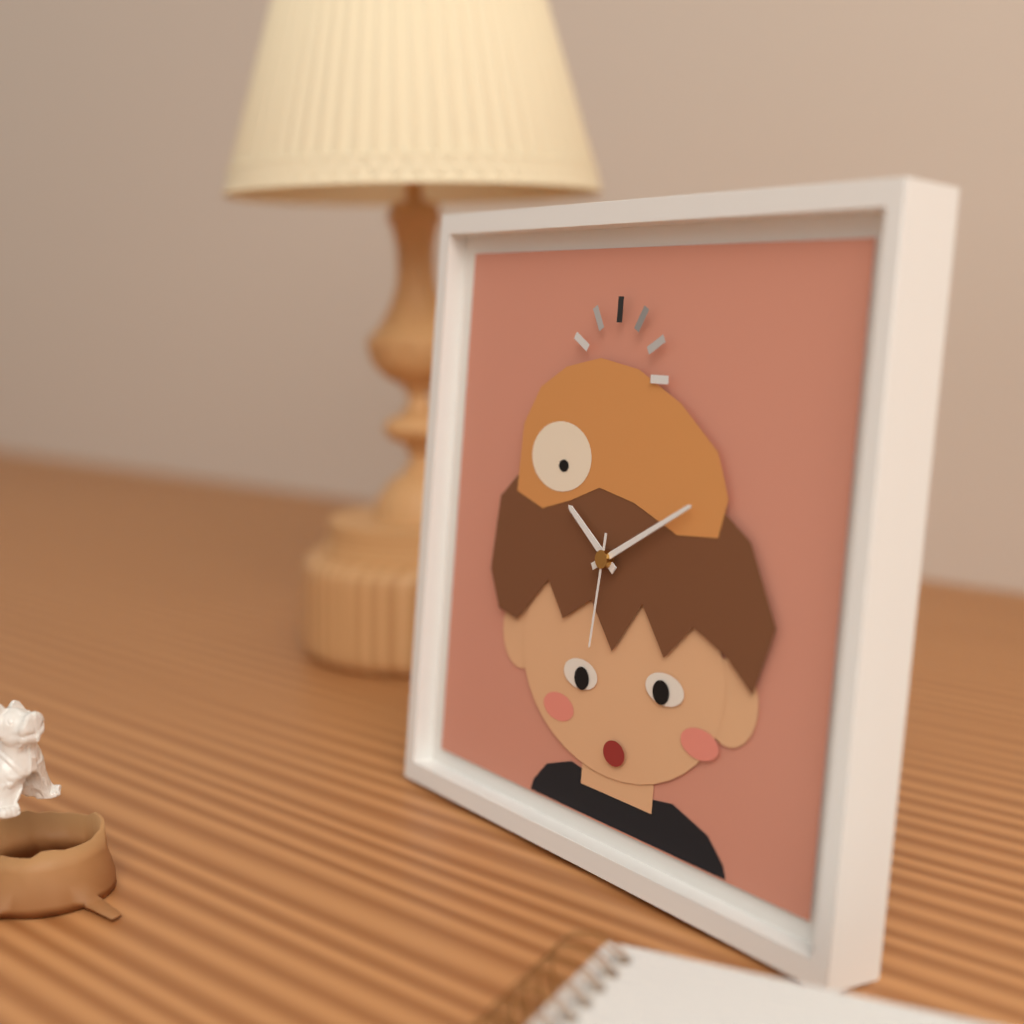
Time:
10.10.31
